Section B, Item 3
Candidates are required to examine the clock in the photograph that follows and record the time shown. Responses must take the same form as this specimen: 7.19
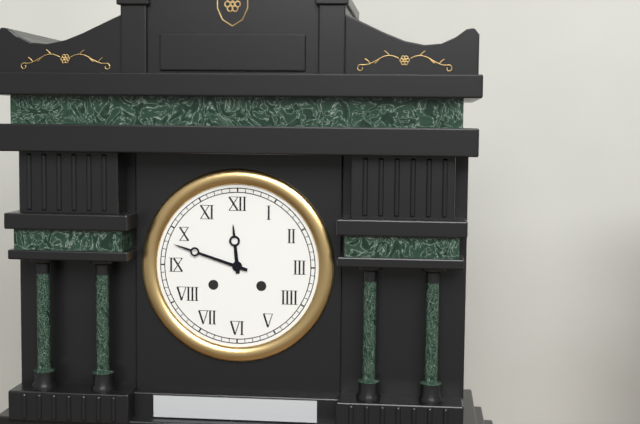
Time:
11.48
